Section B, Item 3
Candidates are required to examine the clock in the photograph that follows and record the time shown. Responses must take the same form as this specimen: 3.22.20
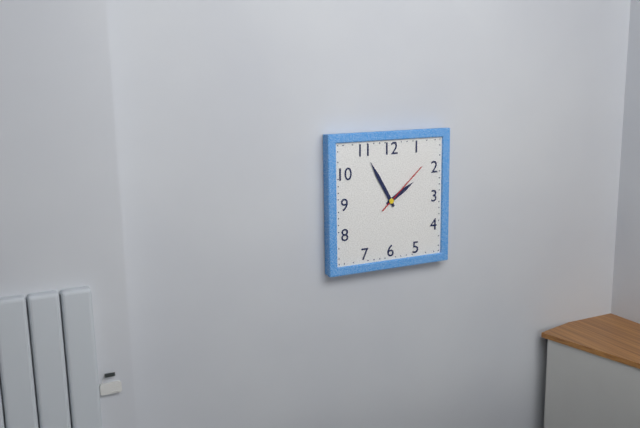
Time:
1.55.08
